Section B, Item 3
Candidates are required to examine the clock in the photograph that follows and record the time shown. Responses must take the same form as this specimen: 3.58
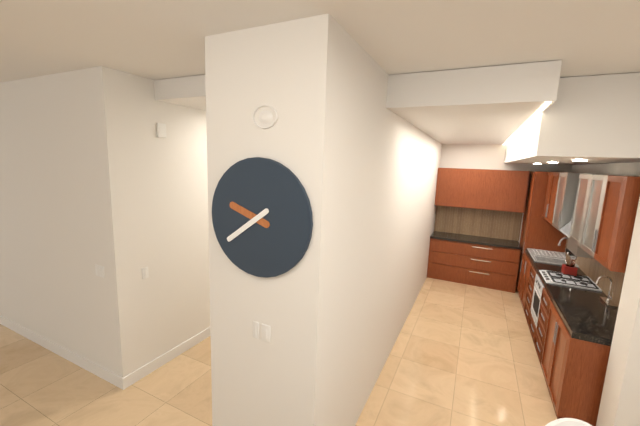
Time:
9.39
